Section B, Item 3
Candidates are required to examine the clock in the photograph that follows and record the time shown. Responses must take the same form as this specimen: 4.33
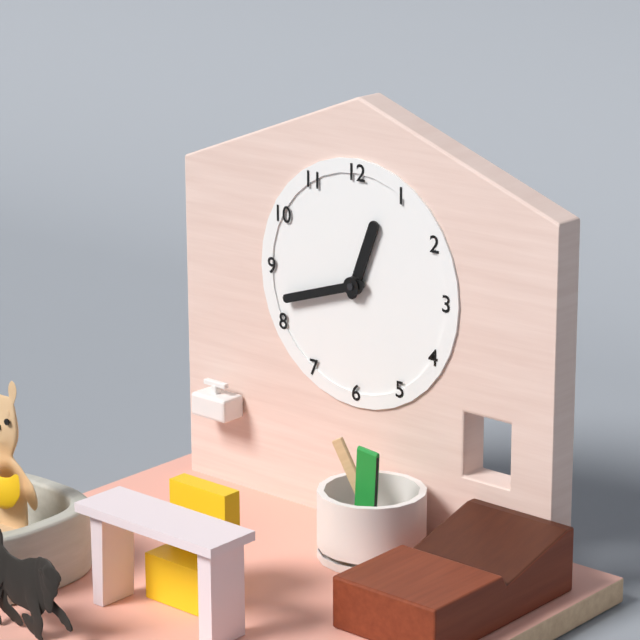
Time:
12.42
